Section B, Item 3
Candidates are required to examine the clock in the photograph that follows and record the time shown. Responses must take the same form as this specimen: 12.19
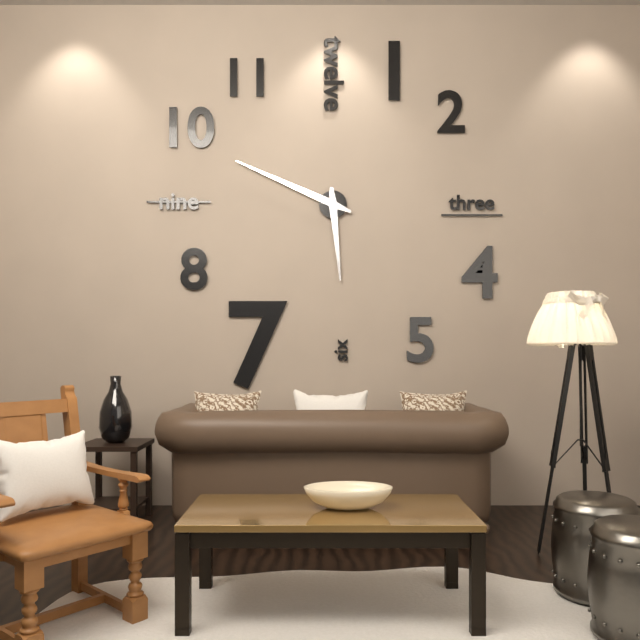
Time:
5.49
